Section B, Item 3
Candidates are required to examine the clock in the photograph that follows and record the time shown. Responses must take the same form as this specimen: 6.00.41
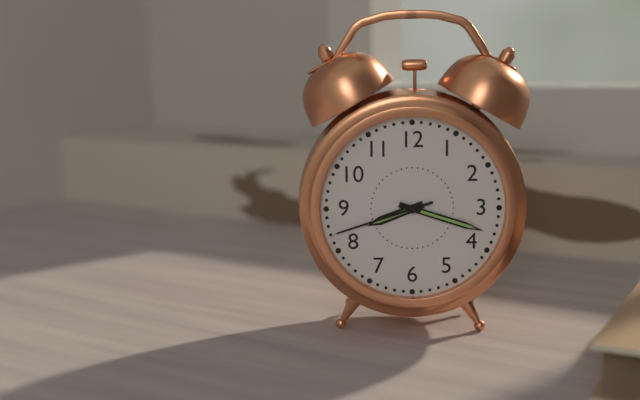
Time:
8.18.42
